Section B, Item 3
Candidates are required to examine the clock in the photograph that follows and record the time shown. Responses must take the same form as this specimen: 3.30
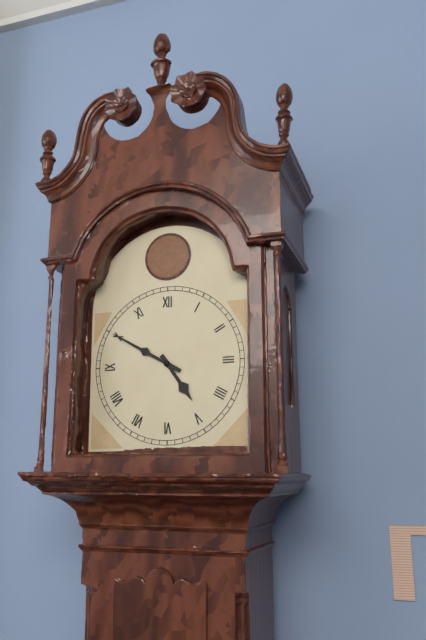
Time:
4.50
